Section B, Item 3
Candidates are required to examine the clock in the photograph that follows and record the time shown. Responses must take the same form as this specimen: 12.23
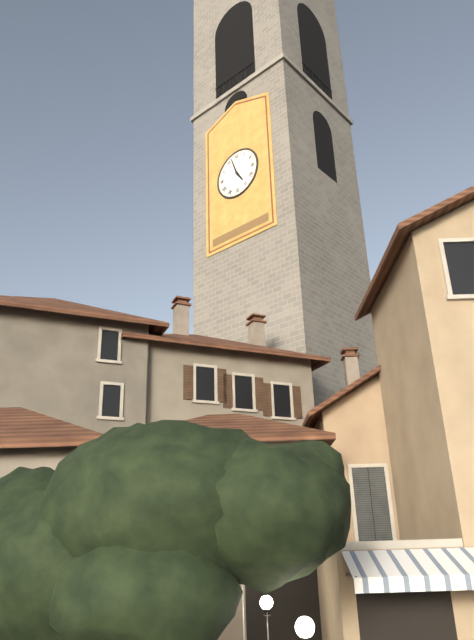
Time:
4.57
